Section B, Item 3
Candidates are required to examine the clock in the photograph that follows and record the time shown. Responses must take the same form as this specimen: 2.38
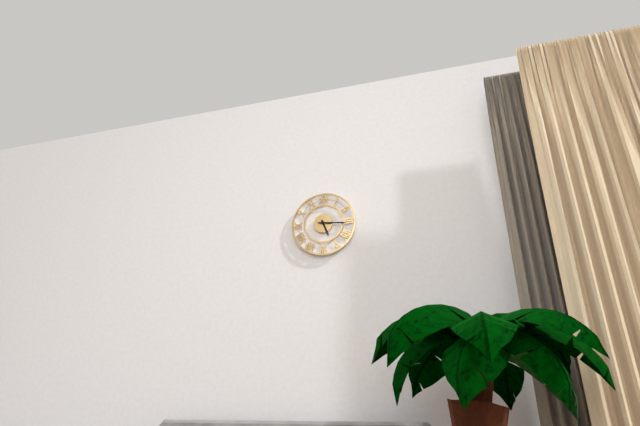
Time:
5.16
